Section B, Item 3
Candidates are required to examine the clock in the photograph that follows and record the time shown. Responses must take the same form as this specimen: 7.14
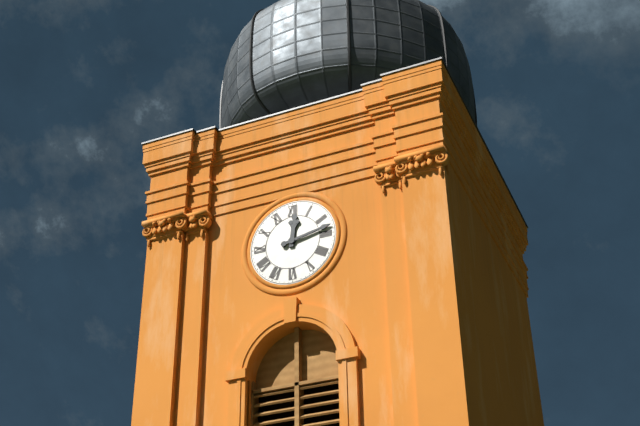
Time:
12.13
